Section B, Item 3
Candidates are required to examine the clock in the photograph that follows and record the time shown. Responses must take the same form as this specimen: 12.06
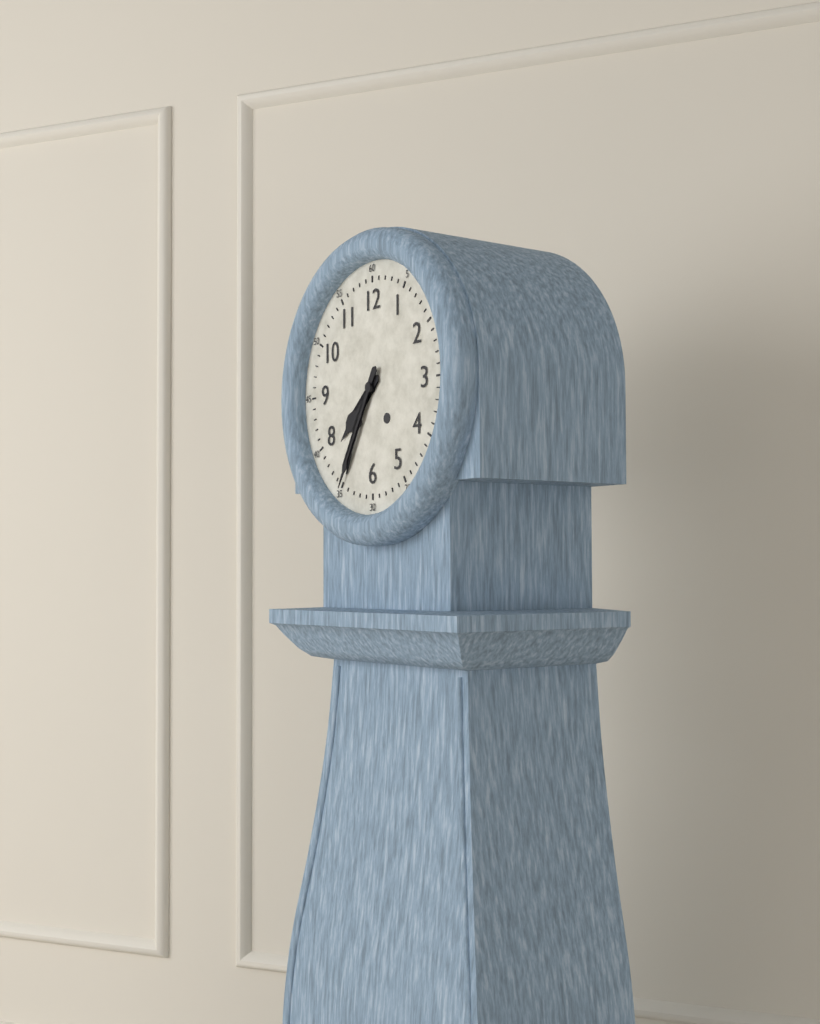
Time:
7.35
